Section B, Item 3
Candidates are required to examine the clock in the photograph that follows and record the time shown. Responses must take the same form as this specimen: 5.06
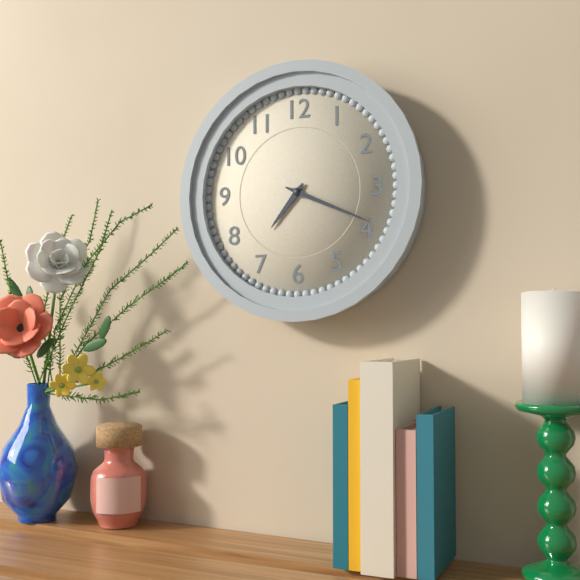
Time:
7.19
